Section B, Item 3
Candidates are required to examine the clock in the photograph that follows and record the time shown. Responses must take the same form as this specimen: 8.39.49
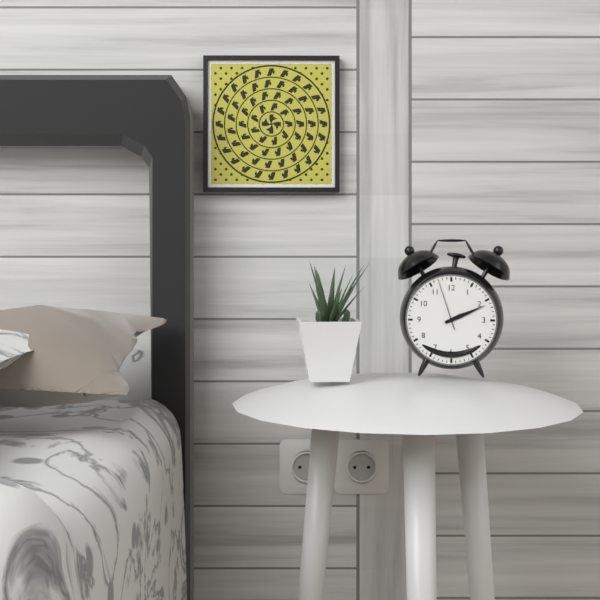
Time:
2.11.57
